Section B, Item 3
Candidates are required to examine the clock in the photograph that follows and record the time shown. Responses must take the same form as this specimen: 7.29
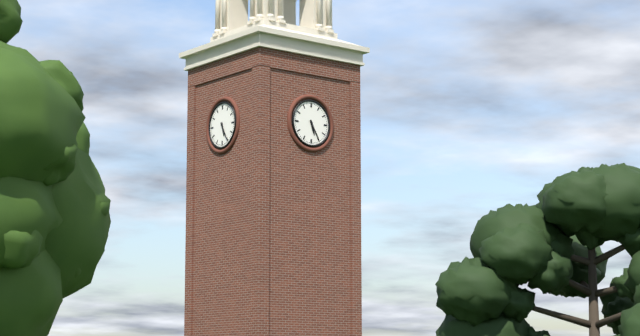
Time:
5.25
